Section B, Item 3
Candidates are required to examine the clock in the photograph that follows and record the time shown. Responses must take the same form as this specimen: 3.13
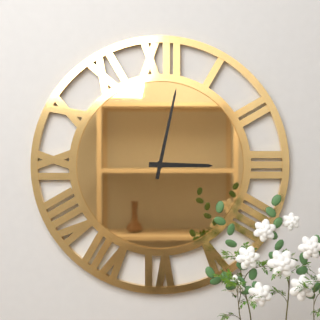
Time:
3.02
